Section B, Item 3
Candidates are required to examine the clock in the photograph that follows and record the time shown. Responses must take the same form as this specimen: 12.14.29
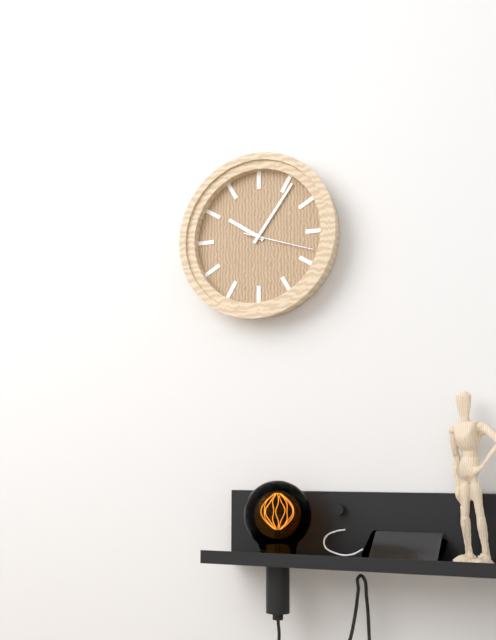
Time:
10.06.18
